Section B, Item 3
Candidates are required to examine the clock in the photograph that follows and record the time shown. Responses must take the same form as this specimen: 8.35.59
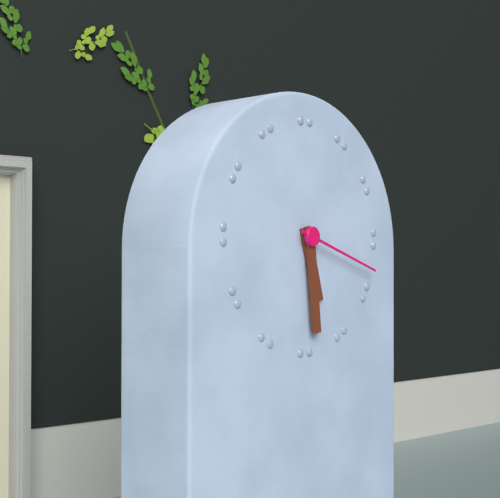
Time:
5.29.18
